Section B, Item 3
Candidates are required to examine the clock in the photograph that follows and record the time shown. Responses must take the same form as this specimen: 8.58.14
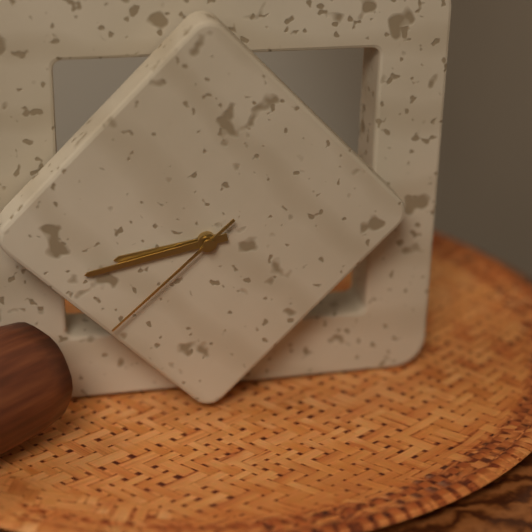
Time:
8.43.38
